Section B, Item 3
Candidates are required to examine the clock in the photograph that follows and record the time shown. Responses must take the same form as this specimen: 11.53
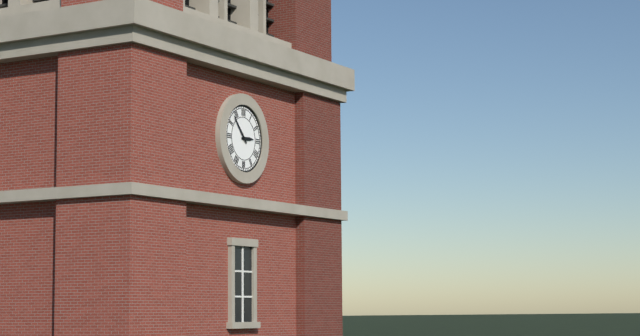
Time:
2.53
